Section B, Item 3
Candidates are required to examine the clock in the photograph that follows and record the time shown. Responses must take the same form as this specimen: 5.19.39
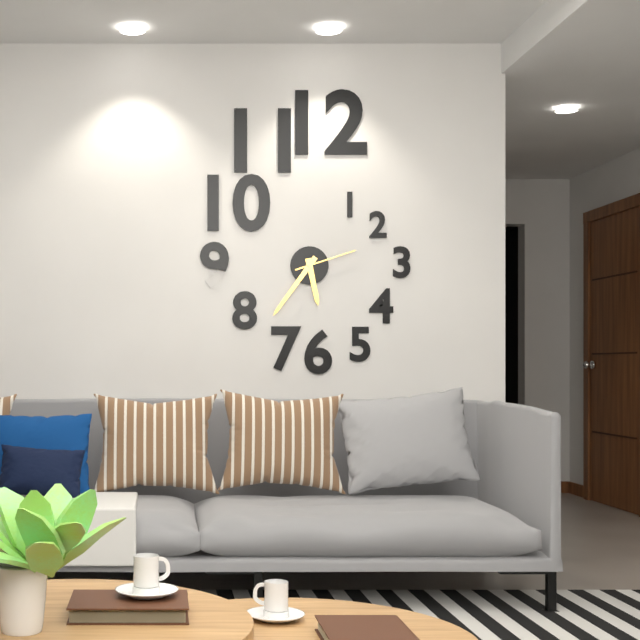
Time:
5.36.12
